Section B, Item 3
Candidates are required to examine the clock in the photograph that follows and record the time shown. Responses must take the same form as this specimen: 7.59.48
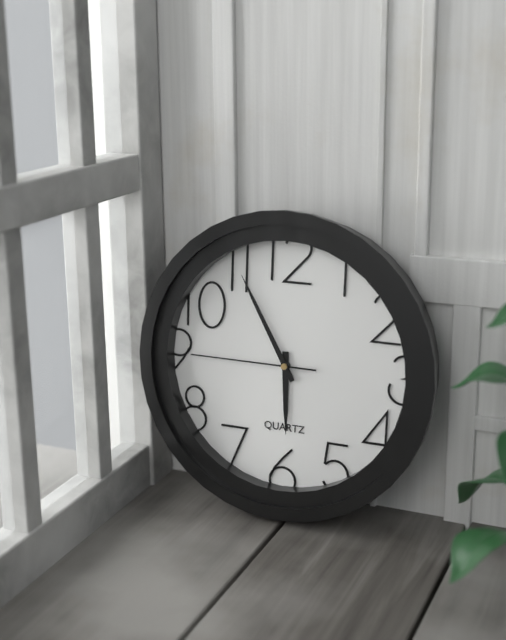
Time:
5.55.45
